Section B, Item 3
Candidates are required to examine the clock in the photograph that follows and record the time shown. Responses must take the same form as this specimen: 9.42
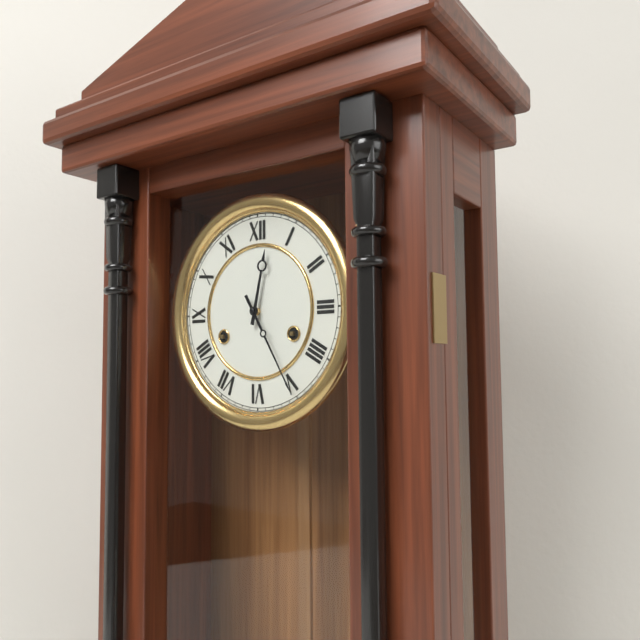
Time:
12.25
